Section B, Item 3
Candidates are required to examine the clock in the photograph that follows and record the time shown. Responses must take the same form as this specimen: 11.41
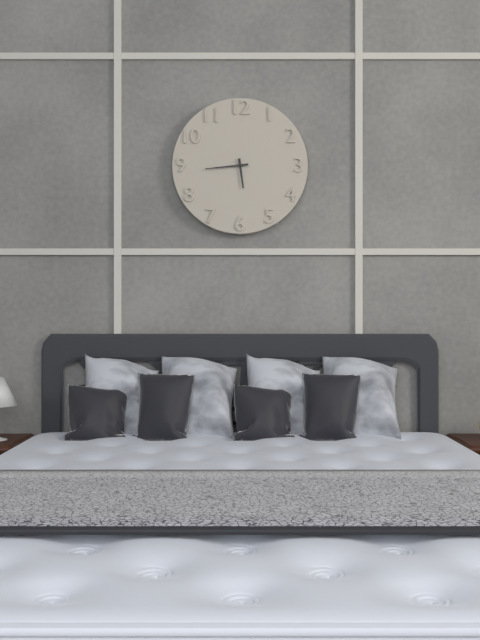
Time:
5.44
